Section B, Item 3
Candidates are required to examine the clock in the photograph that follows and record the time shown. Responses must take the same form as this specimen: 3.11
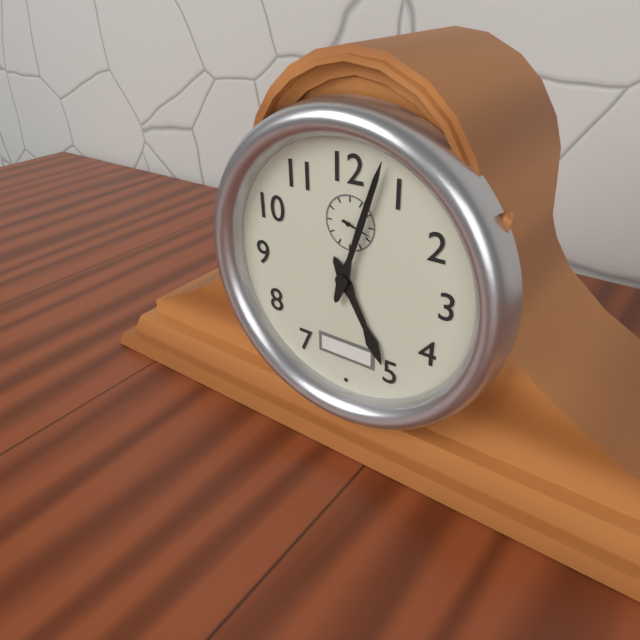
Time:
5.03
